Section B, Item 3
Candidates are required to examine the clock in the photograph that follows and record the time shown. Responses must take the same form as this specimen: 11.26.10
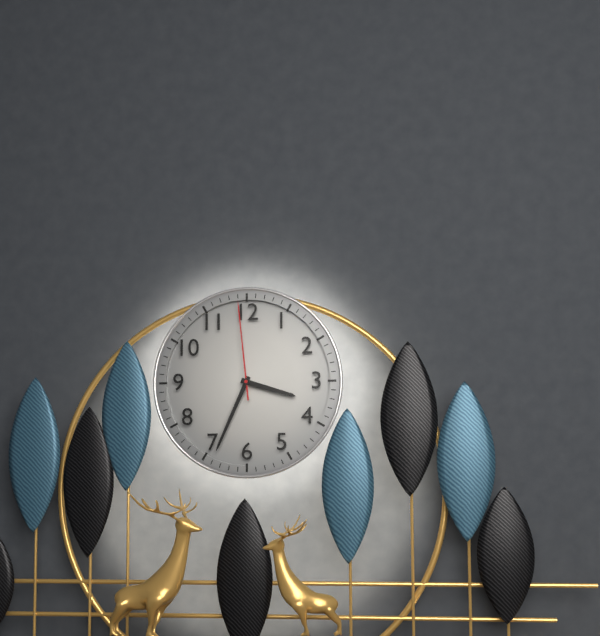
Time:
3.34.59
